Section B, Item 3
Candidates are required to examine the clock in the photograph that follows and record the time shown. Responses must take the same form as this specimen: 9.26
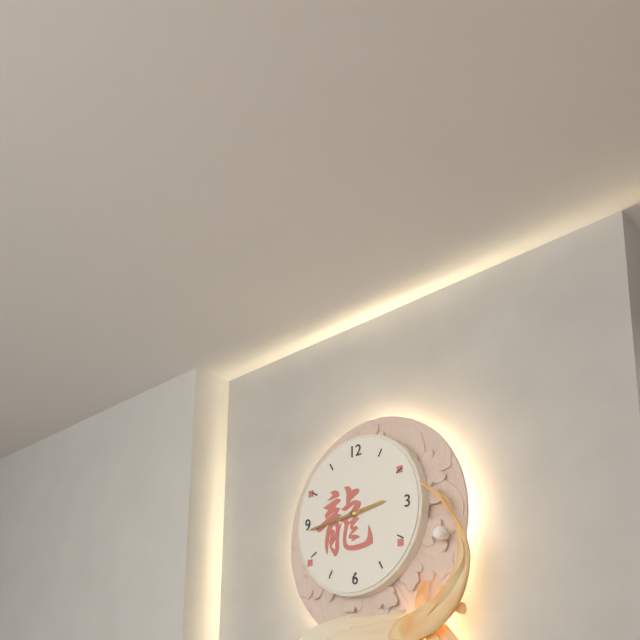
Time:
2.44
